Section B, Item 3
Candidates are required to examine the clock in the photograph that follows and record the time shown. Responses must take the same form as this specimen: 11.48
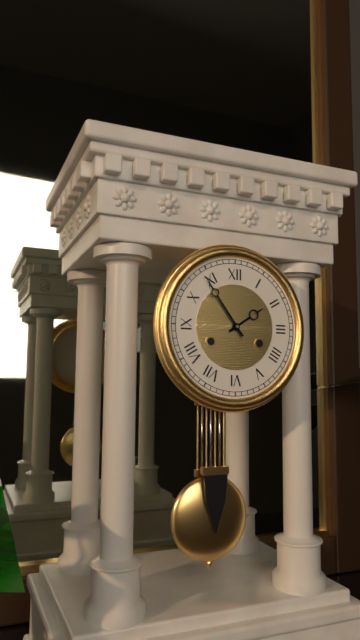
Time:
1.54
